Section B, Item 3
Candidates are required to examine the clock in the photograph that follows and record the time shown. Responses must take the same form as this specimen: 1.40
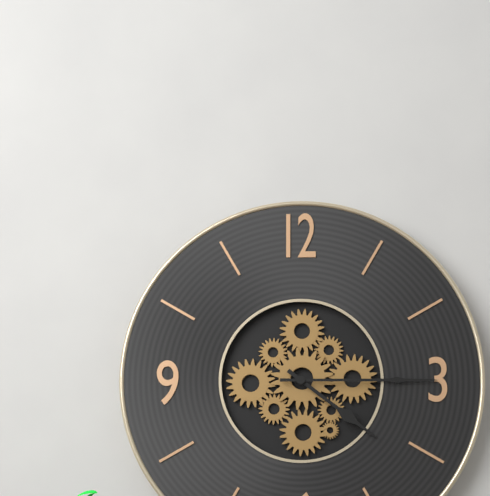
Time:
4.15
